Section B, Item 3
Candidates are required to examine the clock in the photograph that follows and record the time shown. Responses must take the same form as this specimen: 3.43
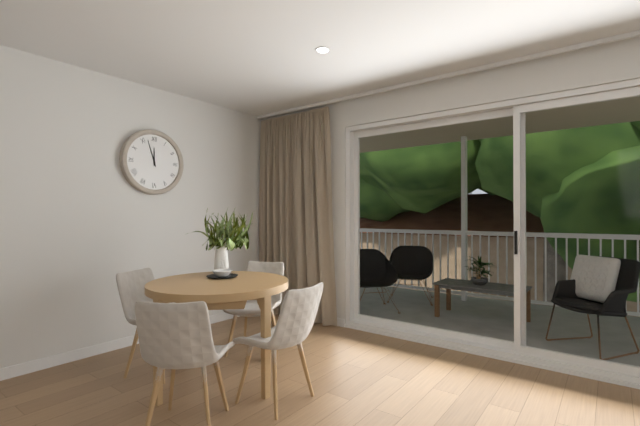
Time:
11.57
